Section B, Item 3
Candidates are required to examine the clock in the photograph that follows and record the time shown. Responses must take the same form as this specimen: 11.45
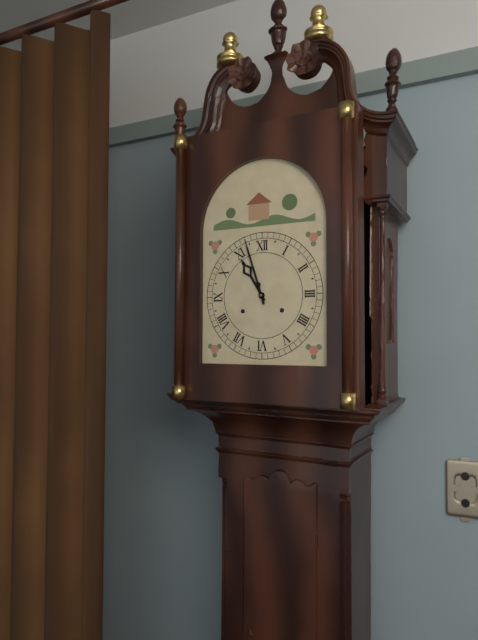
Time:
10.57
